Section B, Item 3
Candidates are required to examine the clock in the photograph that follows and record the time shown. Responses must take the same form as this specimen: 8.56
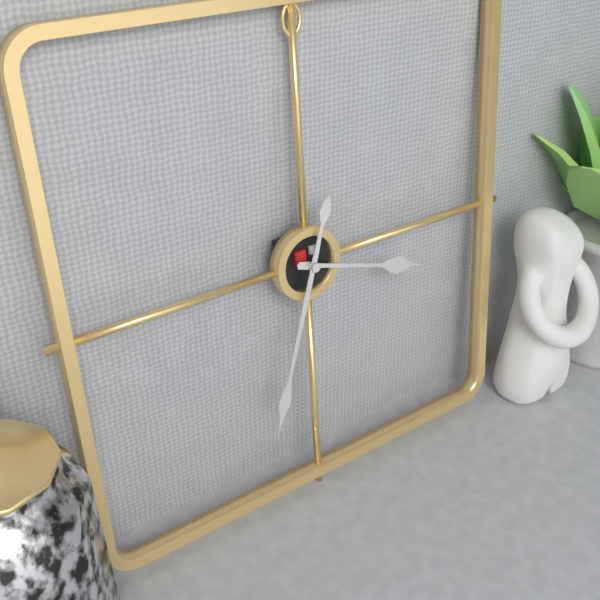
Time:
3.33
